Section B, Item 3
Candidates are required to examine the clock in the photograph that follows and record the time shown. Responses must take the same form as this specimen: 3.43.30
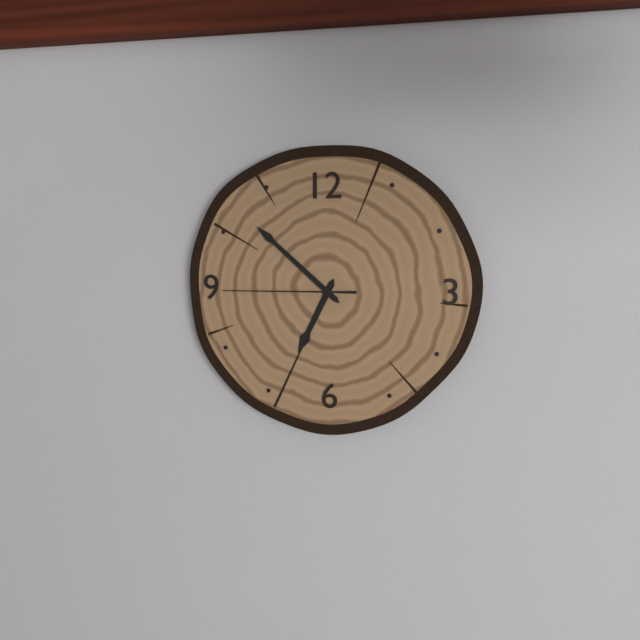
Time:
6.52.45
